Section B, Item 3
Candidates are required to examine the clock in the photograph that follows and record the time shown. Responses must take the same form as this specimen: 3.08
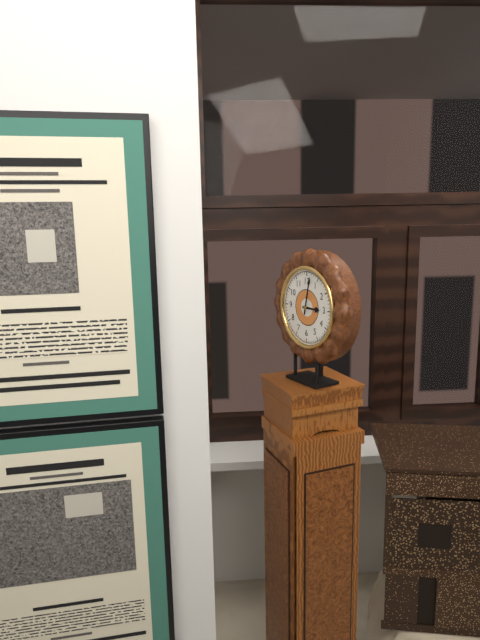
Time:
3.02
